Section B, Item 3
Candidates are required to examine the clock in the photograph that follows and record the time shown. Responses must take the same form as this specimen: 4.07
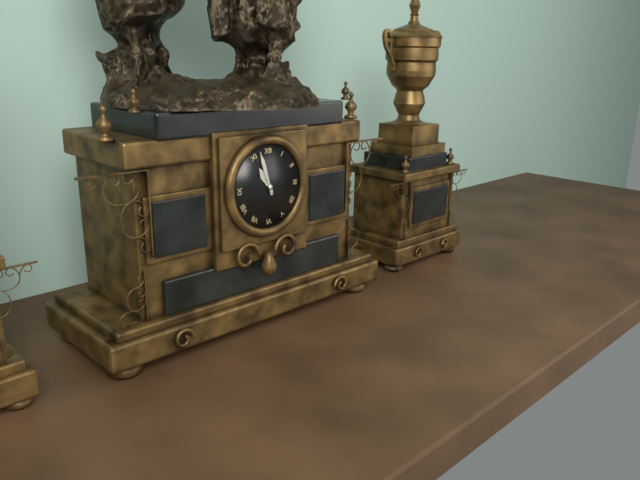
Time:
10.57
